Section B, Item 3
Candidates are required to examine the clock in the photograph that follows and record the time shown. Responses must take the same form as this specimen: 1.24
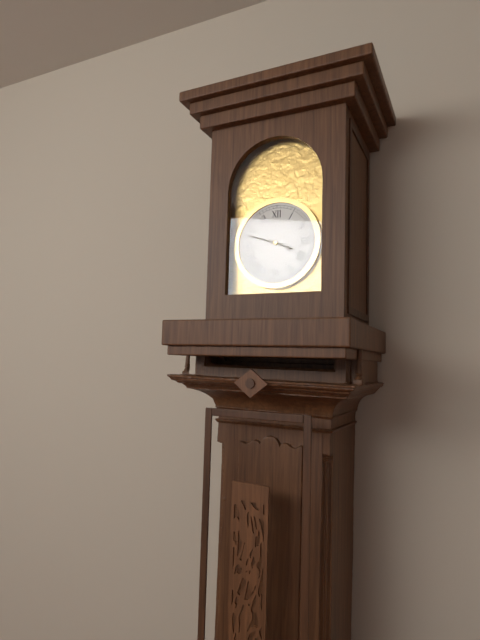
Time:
3.48
